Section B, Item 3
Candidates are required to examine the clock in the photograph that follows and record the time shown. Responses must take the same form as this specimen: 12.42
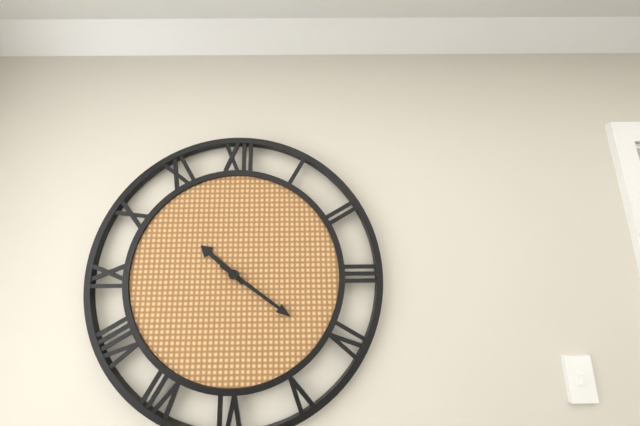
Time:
10.21
